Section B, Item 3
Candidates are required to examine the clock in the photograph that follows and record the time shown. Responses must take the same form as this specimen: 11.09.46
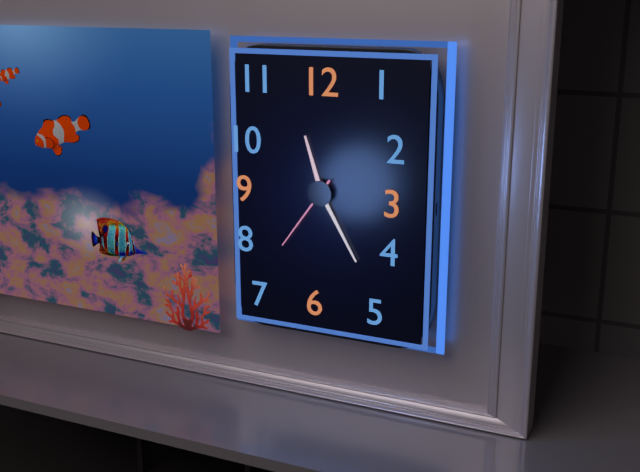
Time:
11.25.36
